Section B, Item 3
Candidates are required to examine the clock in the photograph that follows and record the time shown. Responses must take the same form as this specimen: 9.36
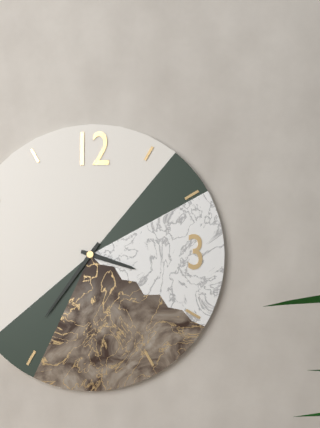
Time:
3.36
